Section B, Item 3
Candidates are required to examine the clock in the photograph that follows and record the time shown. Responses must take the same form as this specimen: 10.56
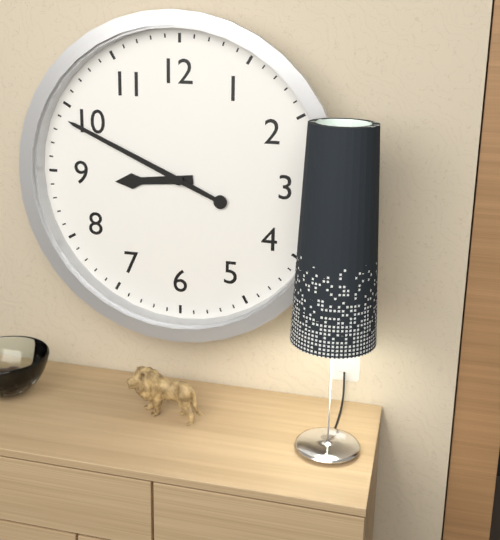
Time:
8.49
